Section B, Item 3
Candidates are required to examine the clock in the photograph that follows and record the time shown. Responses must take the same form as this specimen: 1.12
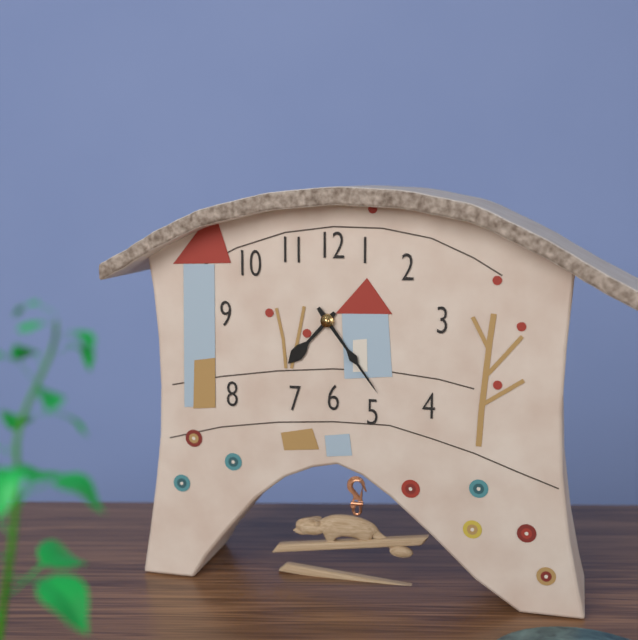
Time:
7.24
